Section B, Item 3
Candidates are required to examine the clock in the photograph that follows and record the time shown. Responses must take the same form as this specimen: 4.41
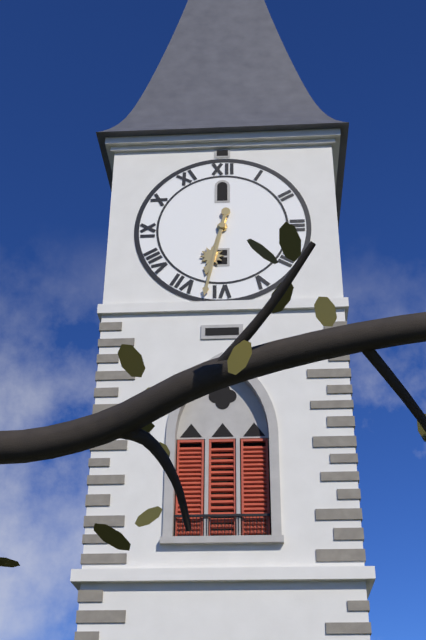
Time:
6.32
